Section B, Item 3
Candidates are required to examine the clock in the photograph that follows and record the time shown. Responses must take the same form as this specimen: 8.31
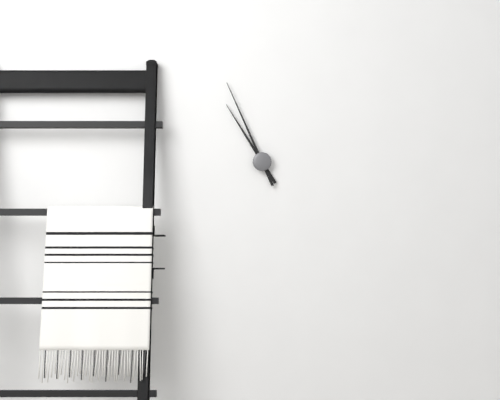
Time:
10.56
